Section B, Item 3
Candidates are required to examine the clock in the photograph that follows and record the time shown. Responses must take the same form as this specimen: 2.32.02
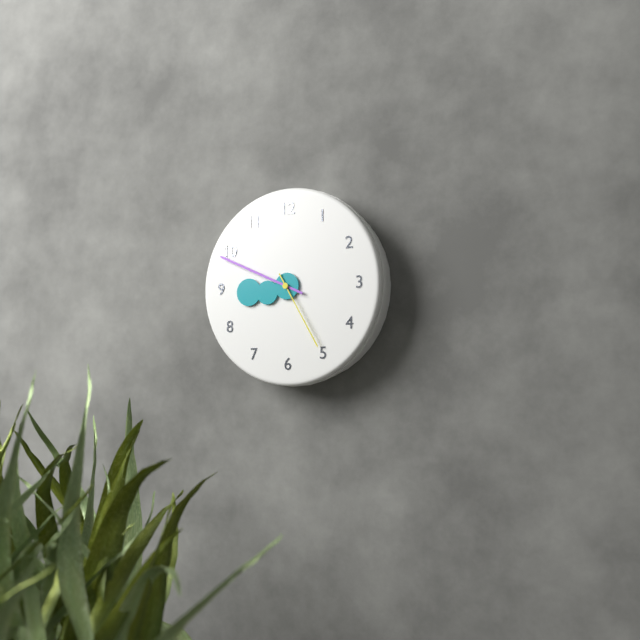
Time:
8.49.25
